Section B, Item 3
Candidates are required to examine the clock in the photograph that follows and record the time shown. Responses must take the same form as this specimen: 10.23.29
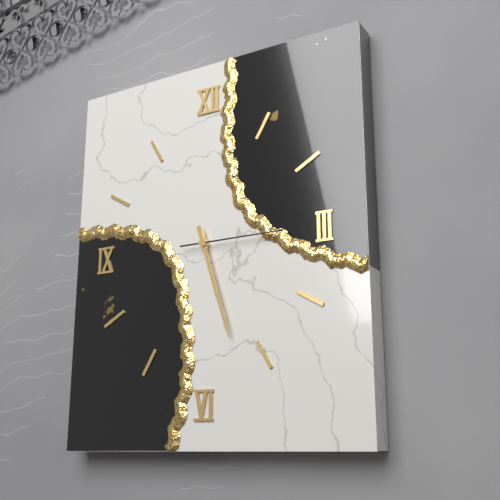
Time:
5.27.15
